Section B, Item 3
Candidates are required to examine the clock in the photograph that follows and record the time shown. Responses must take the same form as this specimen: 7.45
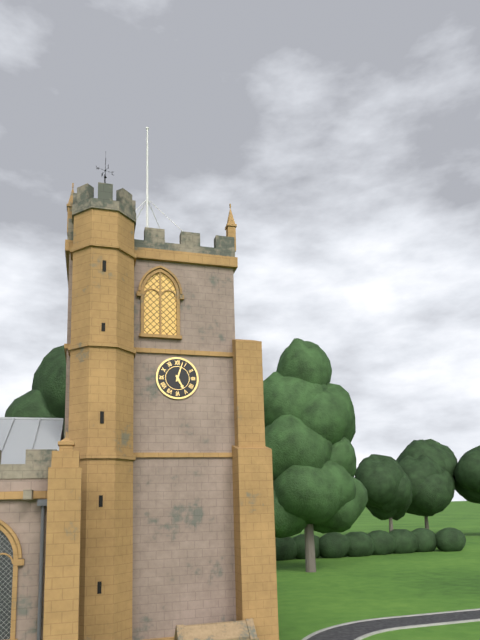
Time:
5.03
